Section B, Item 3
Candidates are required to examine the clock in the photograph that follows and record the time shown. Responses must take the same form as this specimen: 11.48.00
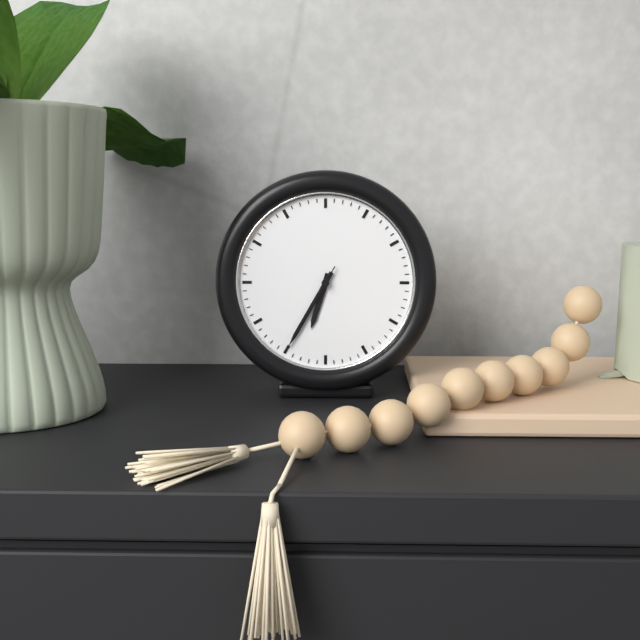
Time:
6.35.35
